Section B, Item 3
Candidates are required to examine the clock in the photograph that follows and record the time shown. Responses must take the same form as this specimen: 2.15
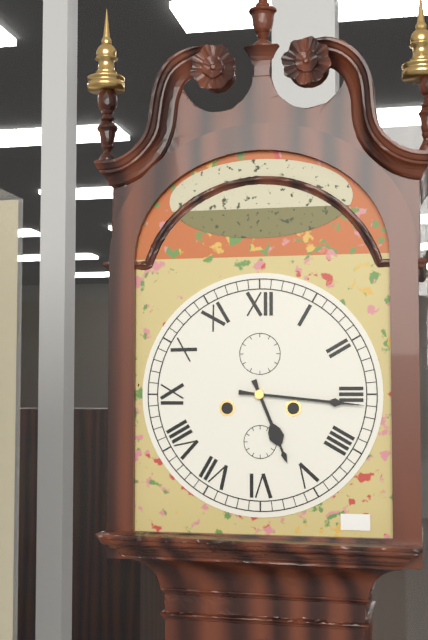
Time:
5.16
